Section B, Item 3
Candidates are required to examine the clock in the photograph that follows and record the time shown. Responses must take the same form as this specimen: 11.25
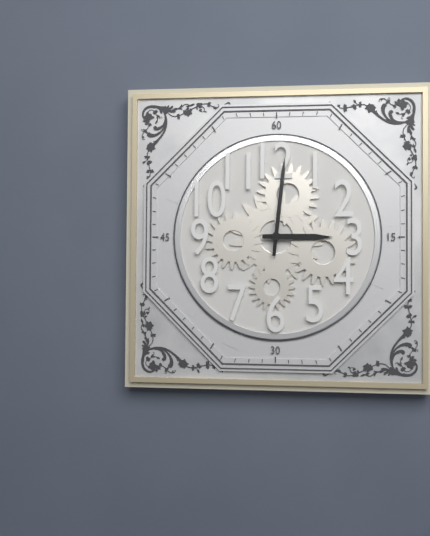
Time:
3.01
